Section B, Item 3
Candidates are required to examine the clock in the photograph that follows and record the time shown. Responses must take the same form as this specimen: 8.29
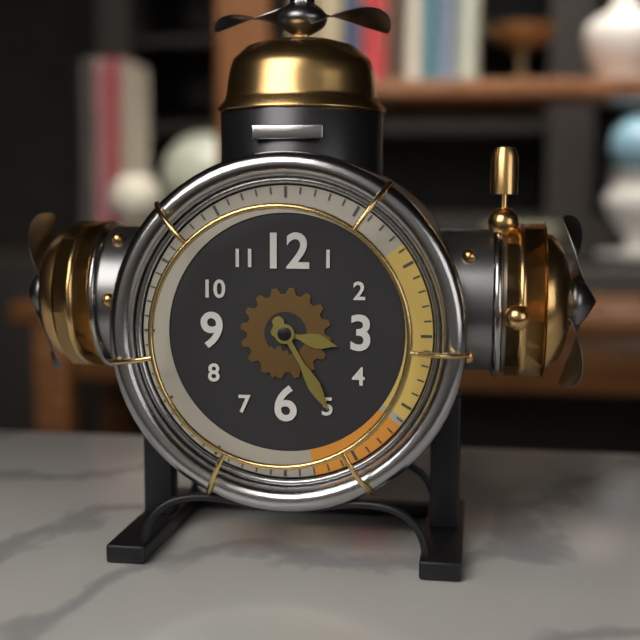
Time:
3.25
